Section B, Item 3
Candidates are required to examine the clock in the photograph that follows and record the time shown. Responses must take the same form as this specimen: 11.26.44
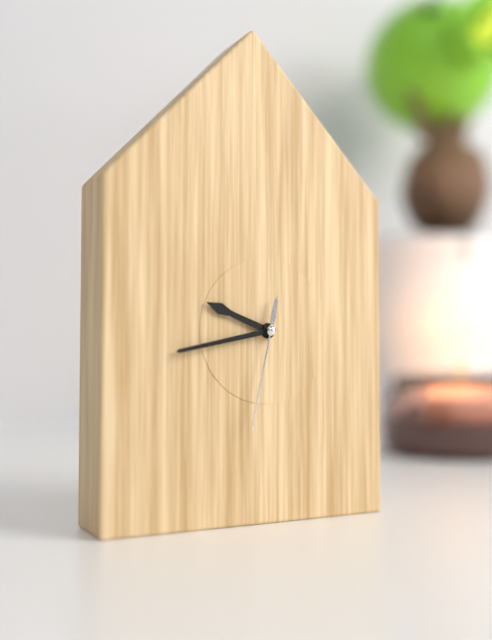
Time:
9.43.32
